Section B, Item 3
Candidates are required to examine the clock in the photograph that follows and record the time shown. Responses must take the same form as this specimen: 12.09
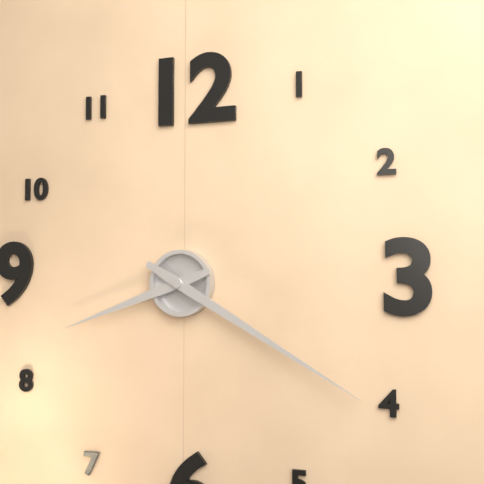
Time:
8.20
